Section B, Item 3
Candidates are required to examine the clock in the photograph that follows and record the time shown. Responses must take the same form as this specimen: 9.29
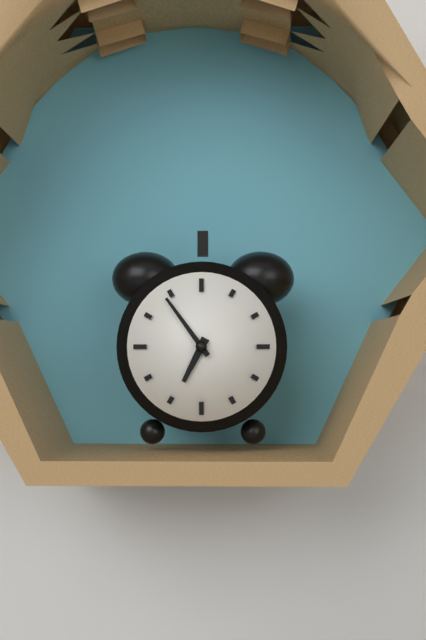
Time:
6.54
